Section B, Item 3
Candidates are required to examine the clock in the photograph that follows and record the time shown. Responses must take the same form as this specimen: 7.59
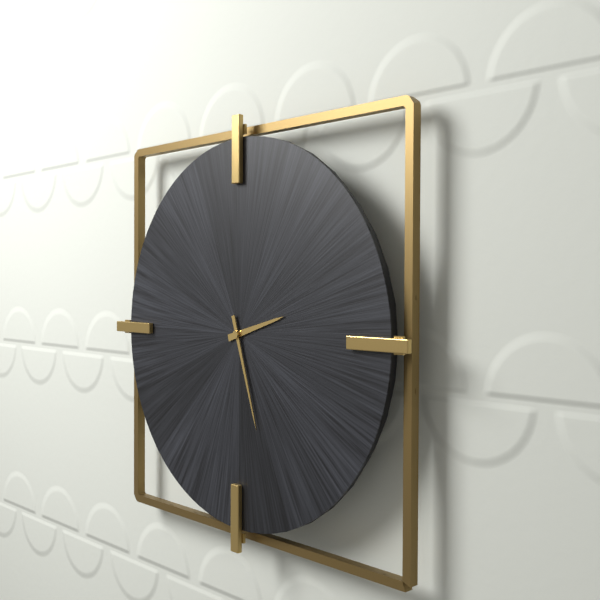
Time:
2.27
